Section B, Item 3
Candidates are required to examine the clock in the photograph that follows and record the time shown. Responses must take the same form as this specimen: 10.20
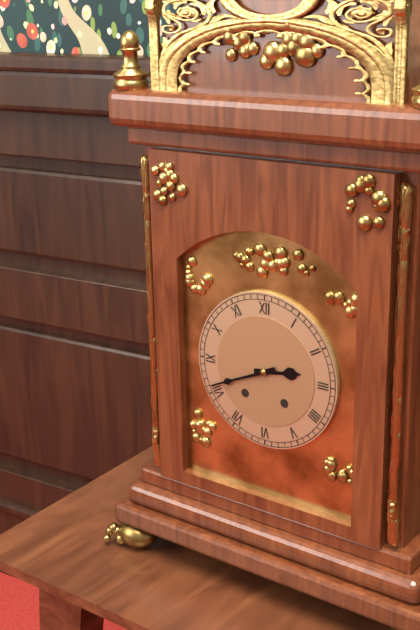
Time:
2.41
